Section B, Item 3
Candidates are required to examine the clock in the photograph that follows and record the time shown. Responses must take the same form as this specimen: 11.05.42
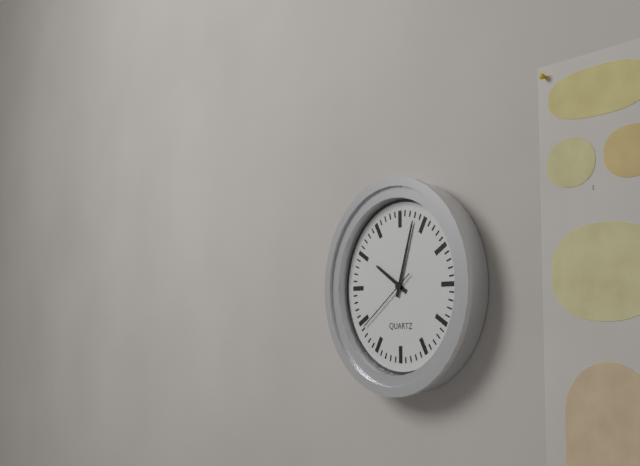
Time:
10.03.39
